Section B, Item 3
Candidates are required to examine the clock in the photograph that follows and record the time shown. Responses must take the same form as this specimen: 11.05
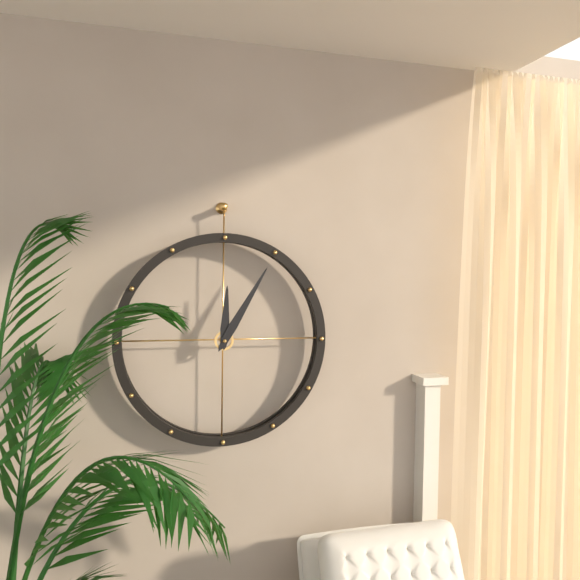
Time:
12.05
